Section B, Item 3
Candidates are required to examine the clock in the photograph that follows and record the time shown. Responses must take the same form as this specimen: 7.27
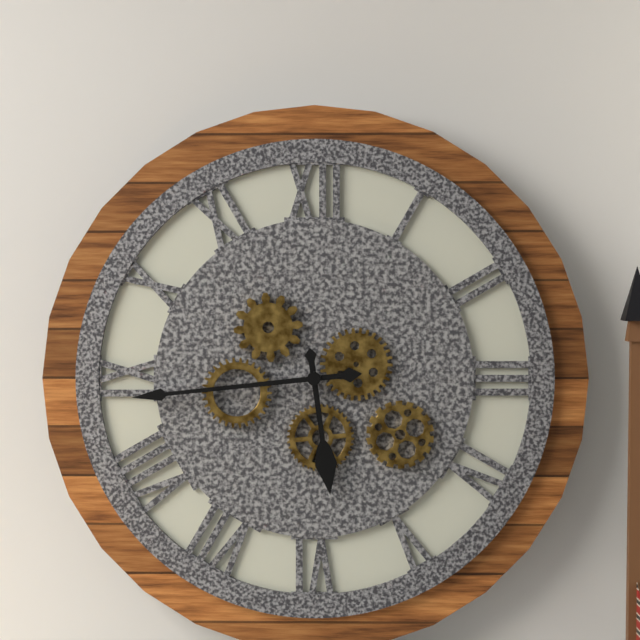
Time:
5.44
